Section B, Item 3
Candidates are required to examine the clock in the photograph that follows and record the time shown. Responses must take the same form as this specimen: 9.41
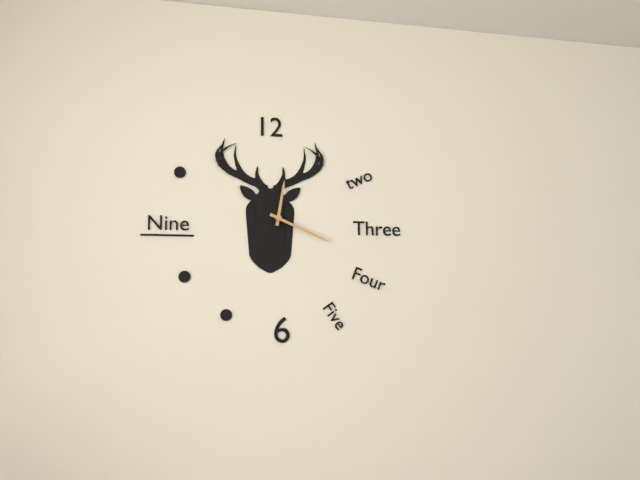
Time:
12.19
